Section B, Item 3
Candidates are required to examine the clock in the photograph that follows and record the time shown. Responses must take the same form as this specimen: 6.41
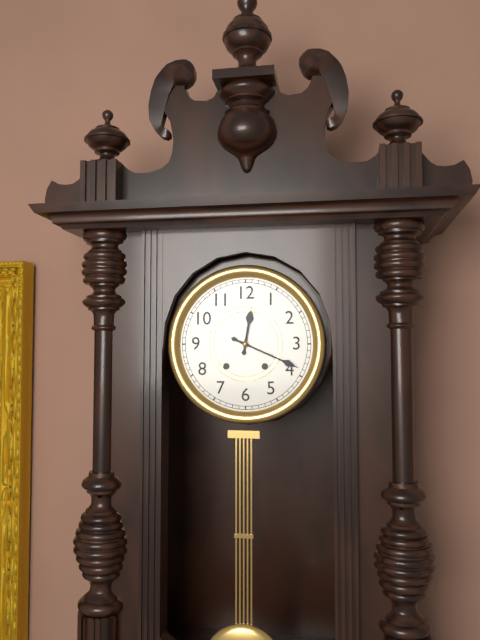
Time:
12.19
